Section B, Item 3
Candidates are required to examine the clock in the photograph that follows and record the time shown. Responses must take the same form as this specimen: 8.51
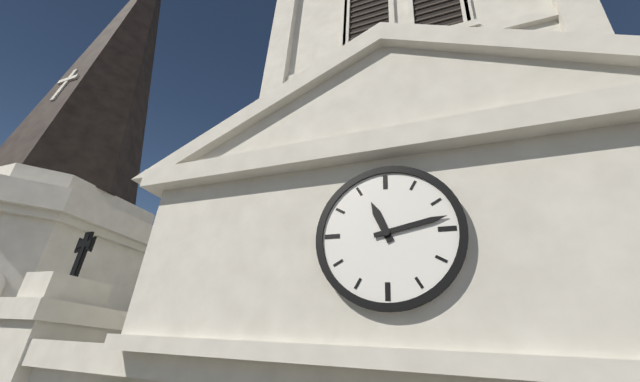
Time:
11.13
